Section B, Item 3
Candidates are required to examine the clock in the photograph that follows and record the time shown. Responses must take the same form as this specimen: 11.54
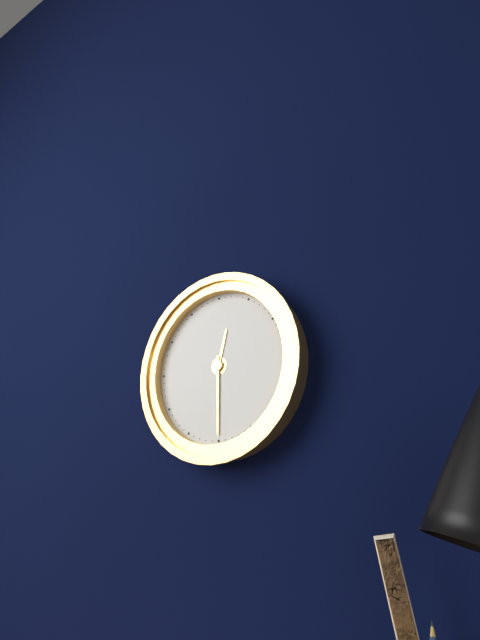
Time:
12.30
